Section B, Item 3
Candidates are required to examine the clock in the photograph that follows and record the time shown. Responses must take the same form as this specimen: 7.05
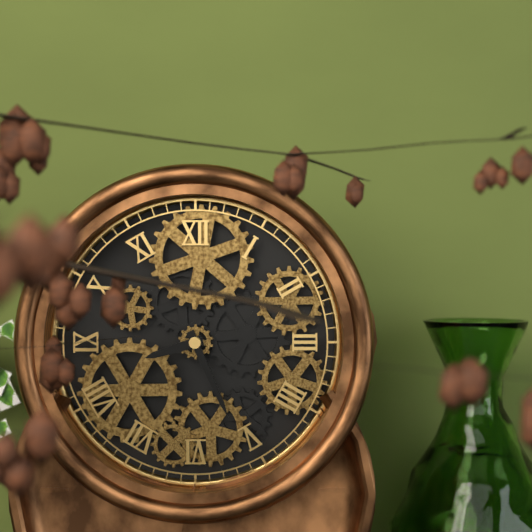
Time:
8.26
